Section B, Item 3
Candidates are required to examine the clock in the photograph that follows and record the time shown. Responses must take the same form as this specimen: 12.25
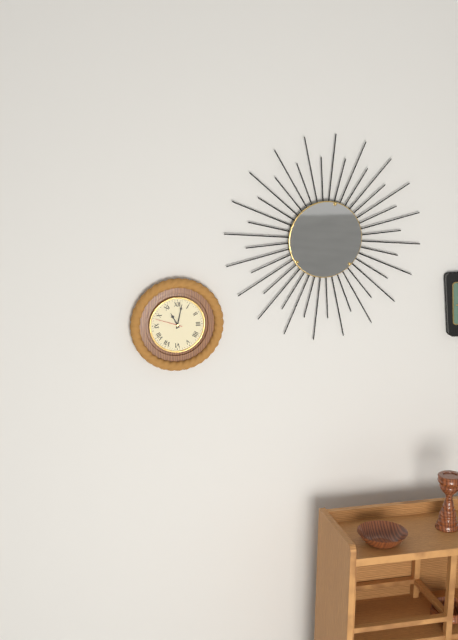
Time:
11.02
